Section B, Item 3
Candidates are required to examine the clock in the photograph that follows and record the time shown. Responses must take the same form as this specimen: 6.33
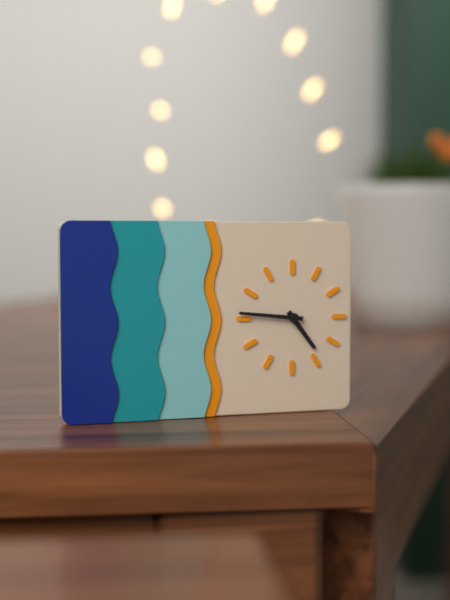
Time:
4.46
